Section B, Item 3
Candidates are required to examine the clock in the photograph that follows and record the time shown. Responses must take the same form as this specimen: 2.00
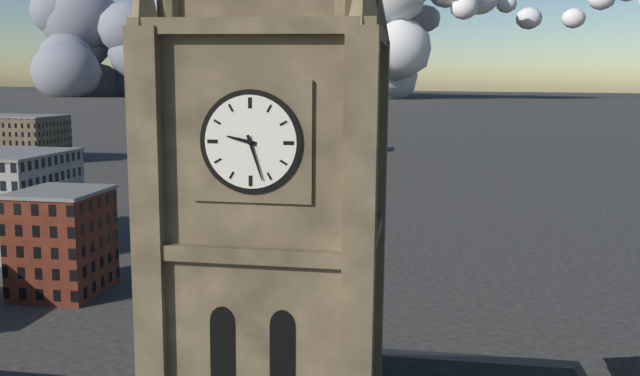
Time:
9.27
